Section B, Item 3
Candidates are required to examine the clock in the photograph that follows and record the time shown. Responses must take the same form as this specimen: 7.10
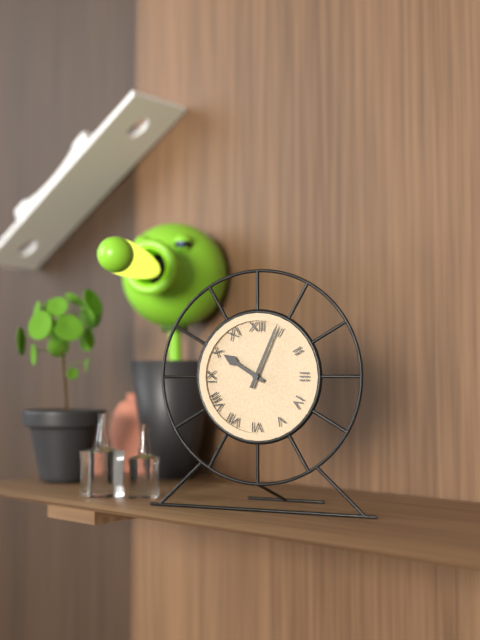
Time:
10.04
